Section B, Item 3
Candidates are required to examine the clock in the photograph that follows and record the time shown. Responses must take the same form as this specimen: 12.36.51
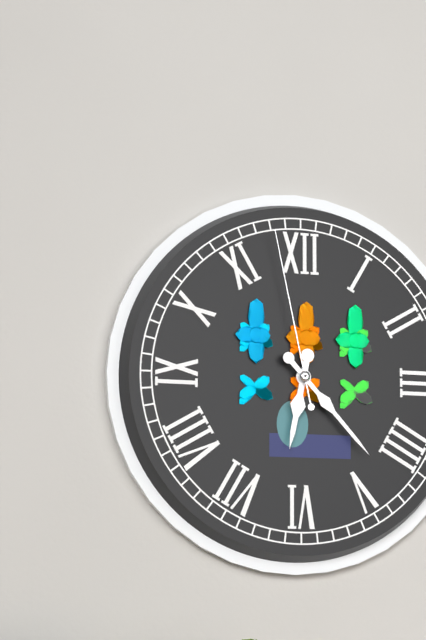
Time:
6.23.58
